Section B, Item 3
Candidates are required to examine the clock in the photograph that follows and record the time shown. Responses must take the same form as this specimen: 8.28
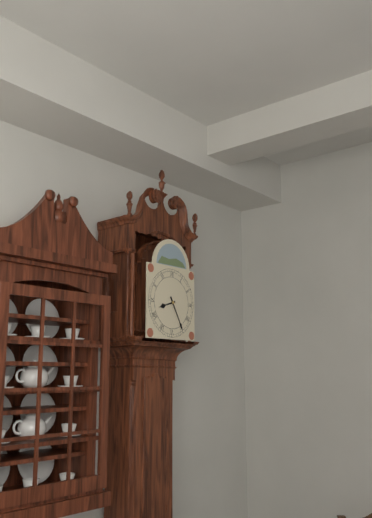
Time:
8.25
